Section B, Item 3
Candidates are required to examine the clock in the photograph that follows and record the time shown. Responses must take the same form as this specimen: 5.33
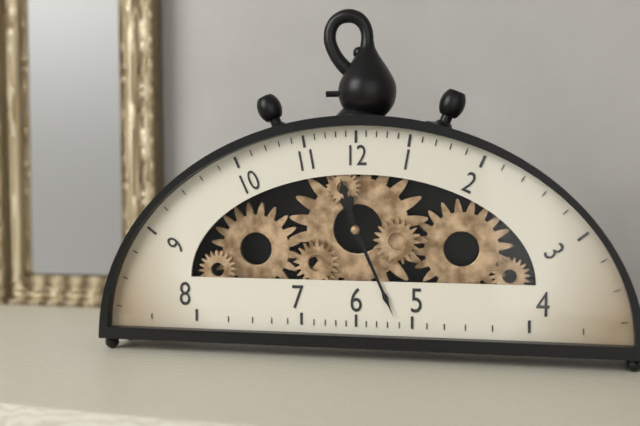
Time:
11.26
